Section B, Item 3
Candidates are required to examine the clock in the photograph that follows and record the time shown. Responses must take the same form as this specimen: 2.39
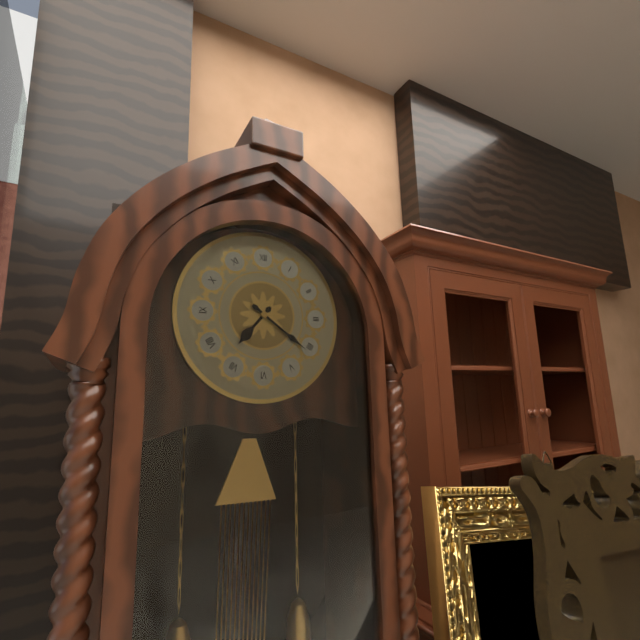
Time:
7.21
